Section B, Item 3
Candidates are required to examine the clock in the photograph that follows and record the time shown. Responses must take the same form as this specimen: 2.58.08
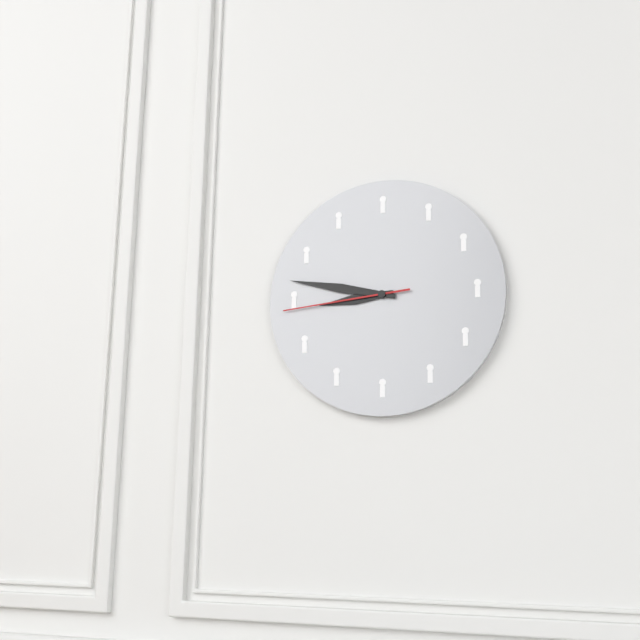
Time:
8.47.44
